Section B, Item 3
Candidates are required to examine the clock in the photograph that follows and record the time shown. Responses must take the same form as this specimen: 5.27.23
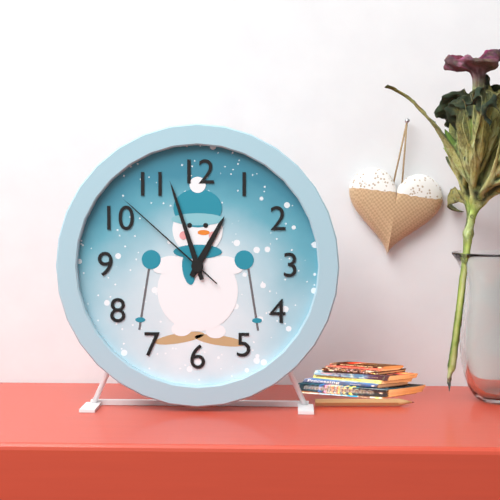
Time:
12.57.52
